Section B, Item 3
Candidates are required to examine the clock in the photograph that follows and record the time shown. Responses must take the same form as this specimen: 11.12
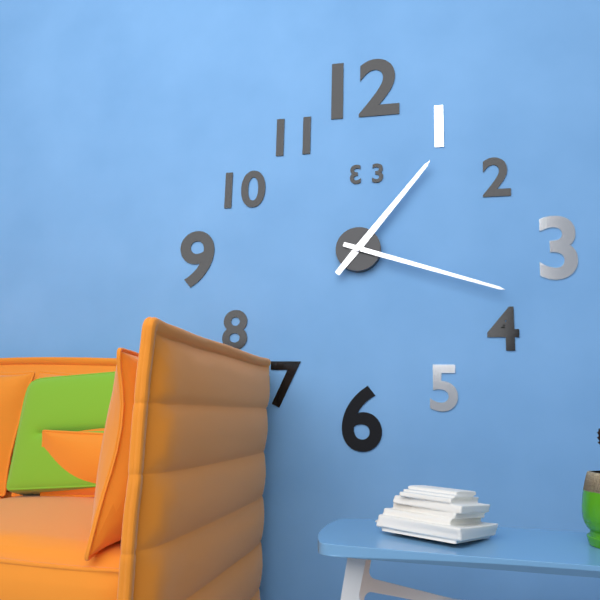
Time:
1.18
